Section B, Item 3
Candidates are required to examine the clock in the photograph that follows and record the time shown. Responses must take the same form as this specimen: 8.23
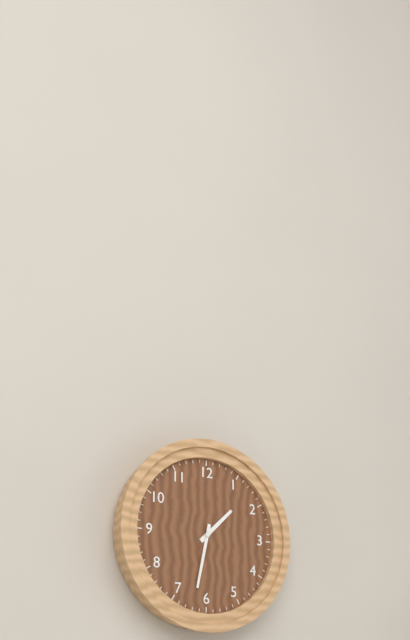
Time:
1.32
